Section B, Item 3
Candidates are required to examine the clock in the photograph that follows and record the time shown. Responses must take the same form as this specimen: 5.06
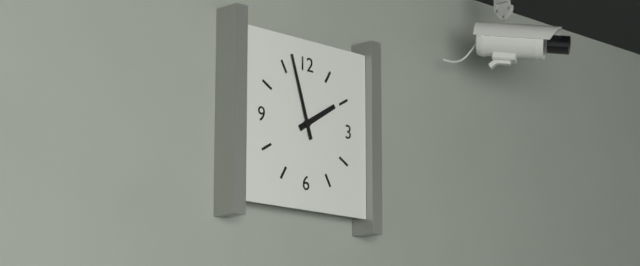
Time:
1.57
